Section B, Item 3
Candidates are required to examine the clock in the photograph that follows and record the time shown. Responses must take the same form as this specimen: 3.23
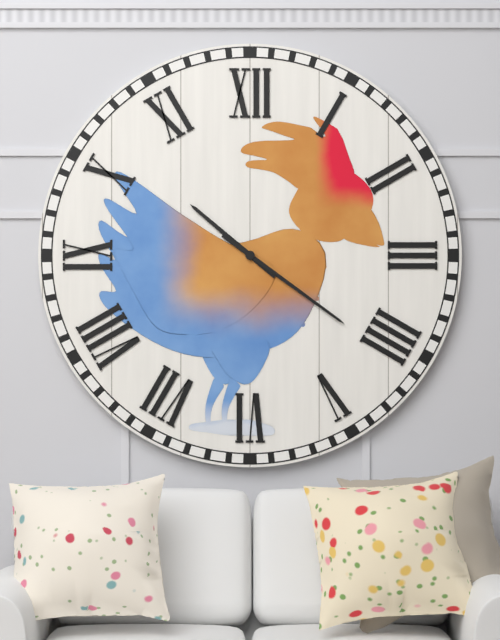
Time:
10.21
